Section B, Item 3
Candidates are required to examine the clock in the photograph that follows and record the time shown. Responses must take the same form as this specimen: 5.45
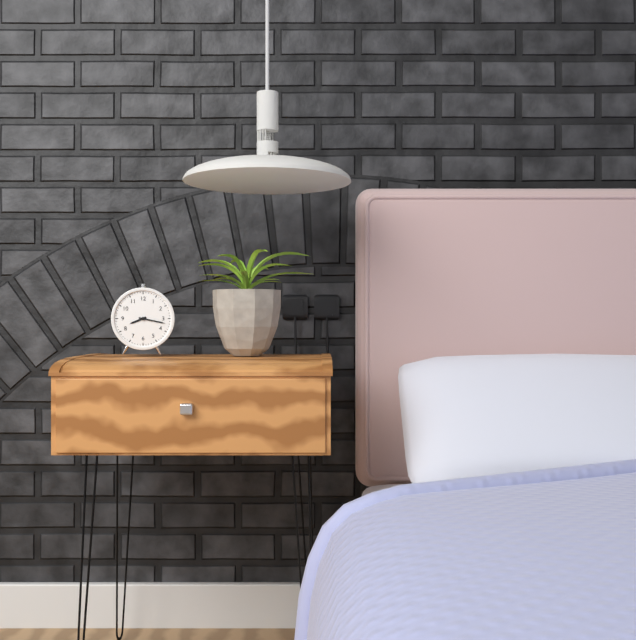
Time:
8.17
